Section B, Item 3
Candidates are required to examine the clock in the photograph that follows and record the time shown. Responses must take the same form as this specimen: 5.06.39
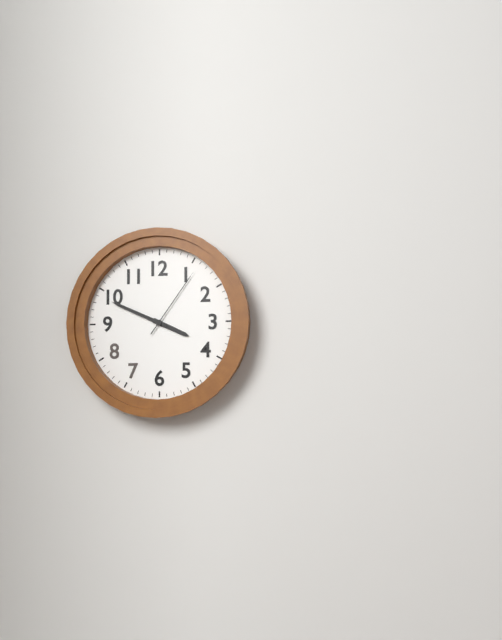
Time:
3.49.06
